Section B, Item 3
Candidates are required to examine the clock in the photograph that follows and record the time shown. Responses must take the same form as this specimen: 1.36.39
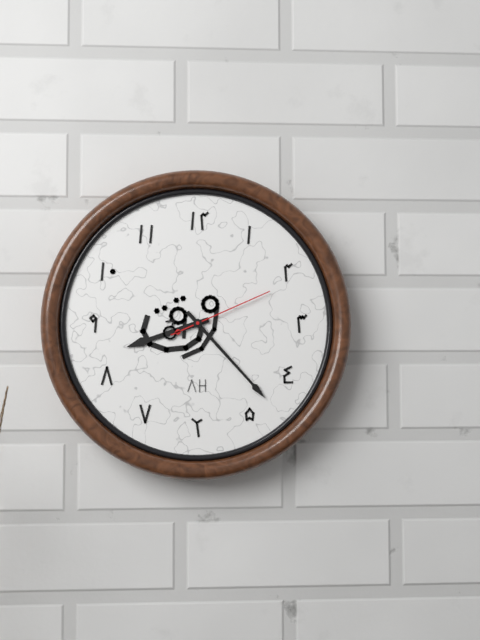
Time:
8.23.11
